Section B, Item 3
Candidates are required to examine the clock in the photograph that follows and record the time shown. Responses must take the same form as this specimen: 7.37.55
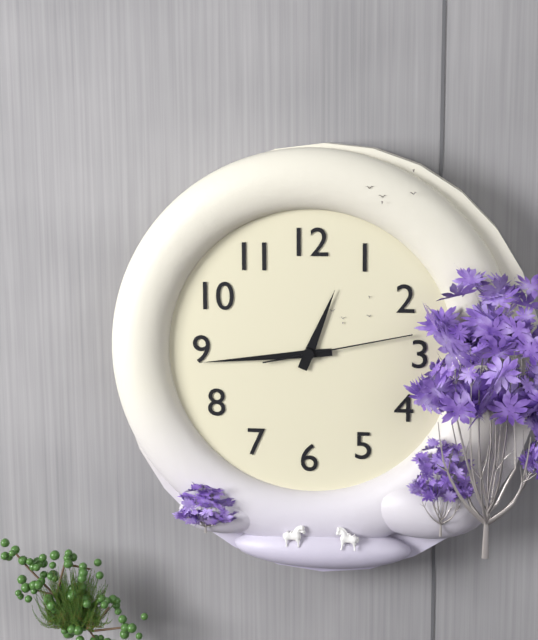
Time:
12.44.13
